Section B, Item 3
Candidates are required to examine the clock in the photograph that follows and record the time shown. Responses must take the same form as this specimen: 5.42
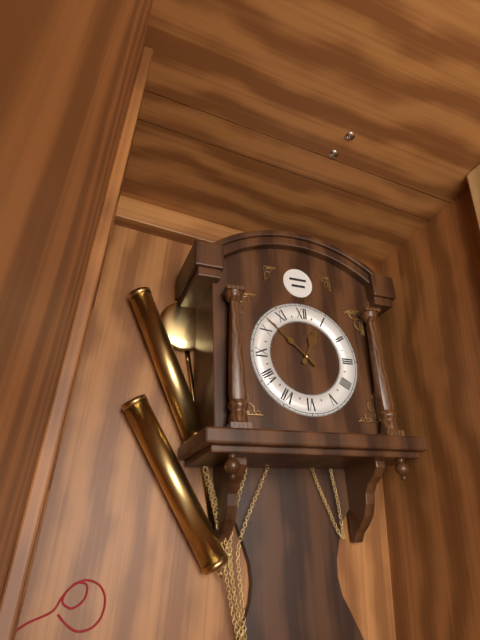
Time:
12.52
